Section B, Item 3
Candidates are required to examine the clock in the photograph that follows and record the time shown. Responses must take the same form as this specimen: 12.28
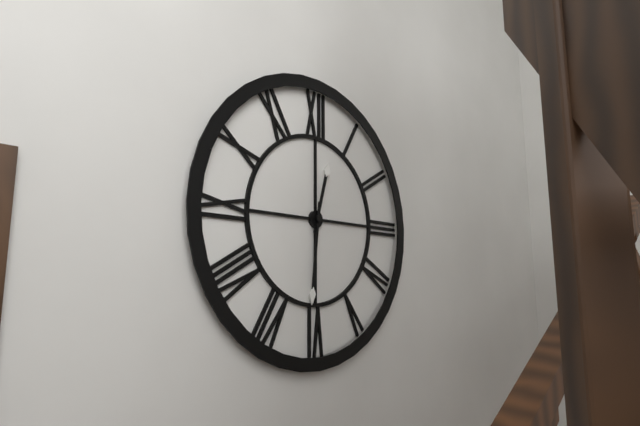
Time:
12.31
